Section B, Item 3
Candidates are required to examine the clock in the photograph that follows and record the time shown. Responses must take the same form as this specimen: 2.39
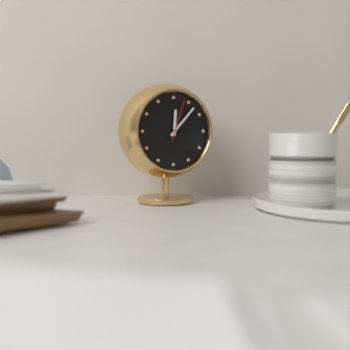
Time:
12.07
